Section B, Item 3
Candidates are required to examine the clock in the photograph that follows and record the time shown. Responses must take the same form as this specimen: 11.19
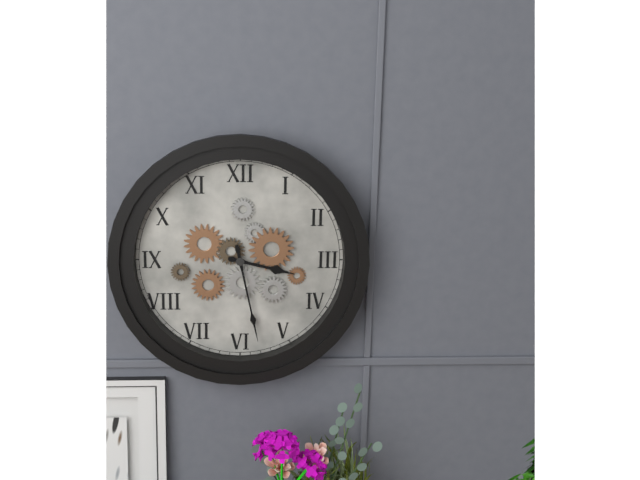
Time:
3.28
